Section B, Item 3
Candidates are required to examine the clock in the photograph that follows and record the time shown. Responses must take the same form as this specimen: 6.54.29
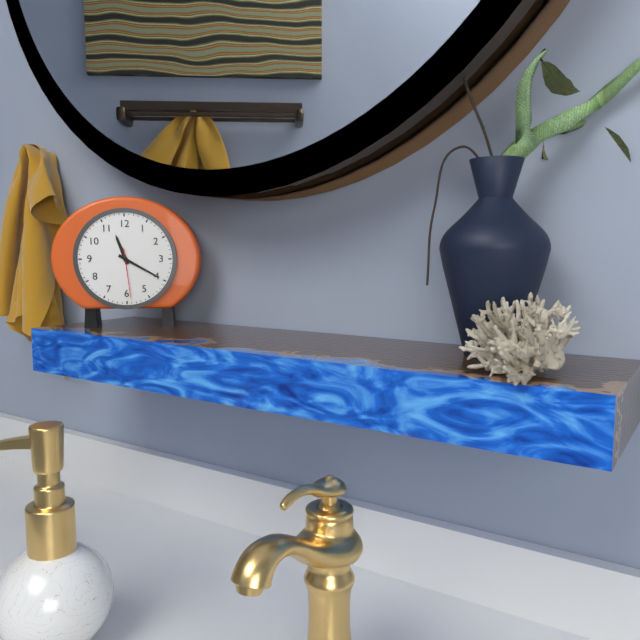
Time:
11.20.29
